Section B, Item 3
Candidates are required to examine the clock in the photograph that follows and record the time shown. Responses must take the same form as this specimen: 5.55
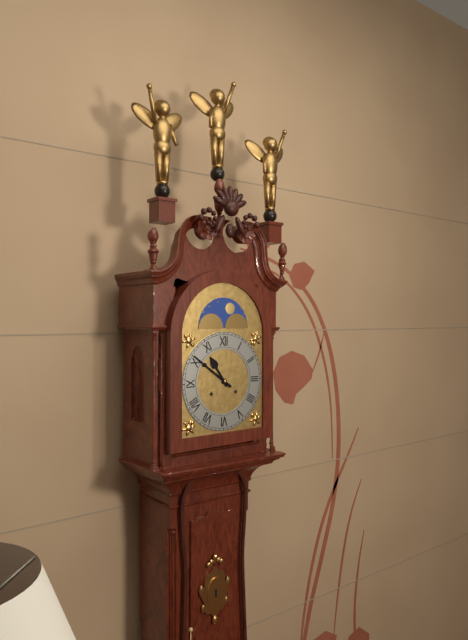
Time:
10.51
